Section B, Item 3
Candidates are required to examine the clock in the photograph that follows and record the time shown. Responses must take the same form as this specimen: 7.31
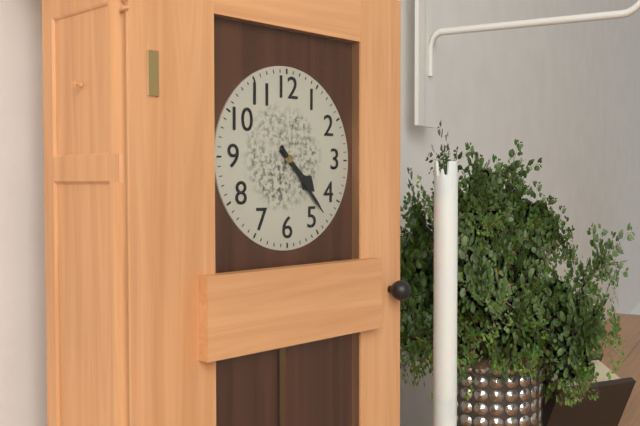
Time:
4.23
